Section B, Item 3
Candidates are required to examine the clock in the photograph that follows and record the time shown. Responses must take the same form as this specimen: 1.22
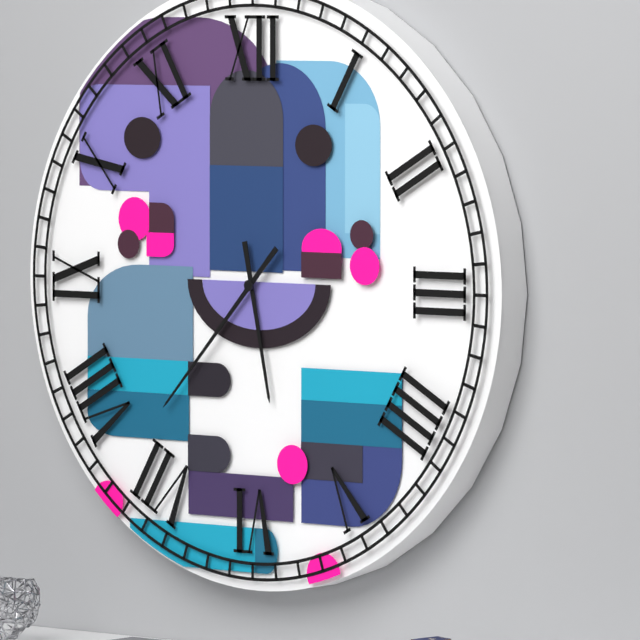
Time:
5.37
